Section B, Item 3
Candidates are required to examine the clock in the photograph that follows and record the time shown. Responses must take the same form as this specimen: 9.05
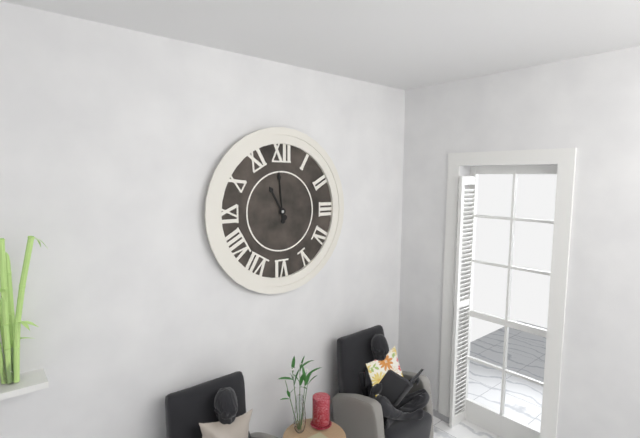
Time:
10.59
